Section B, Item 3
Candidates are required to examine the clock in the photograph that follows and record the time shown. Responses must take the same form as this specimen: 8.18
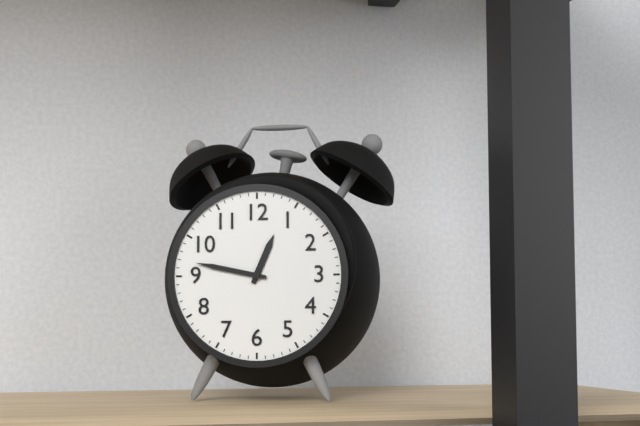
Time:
12.47
